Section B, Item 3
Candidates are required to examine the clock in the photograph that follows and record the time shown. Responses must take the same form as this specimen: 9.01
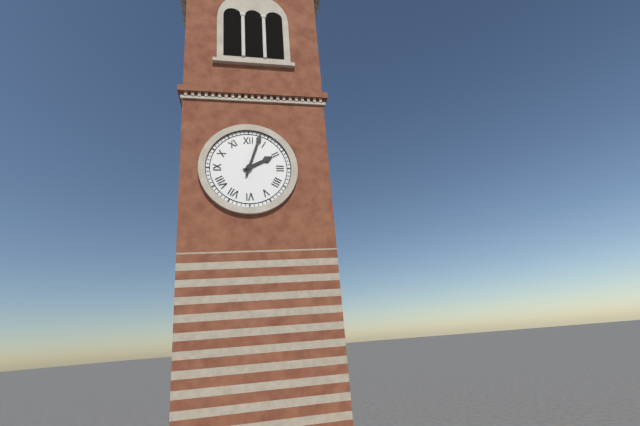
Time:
2.03
